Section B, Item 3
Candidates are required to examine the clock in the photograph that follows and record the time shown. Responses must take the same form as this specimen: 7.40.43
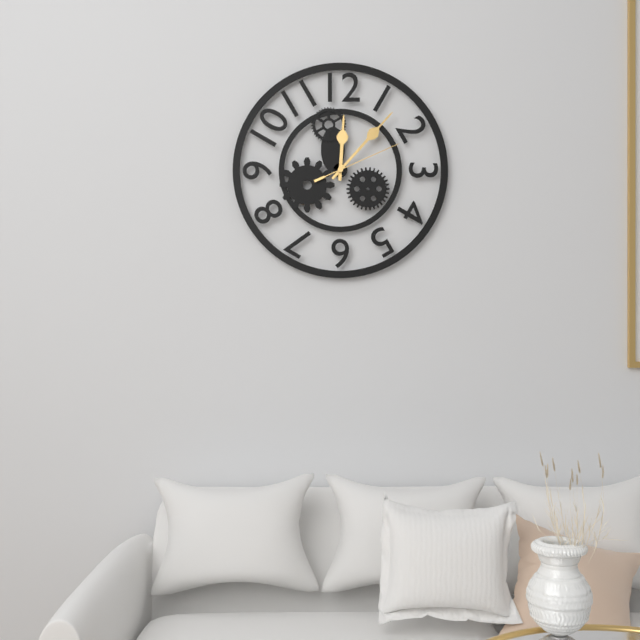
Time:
12.07.11
